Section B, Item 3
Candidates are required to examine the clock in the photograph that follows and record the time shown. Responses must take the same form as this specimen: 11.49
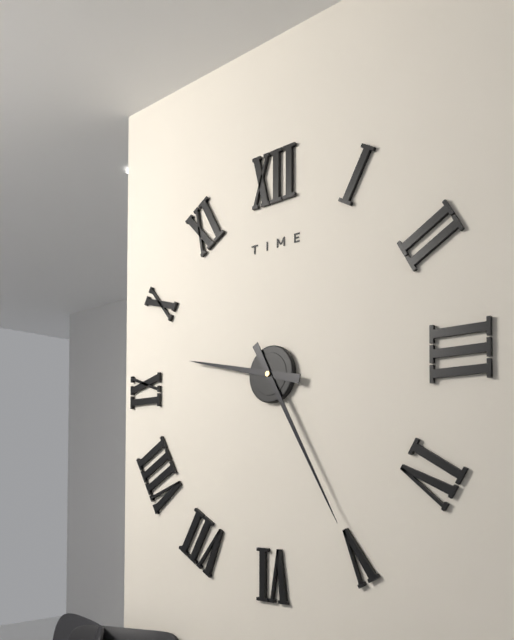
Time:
9.25
